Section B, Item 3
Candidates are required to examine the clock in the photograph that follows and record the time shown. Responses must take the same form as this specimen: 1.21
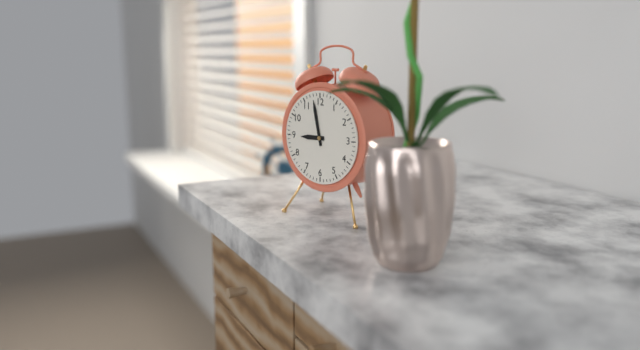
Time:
8.58
